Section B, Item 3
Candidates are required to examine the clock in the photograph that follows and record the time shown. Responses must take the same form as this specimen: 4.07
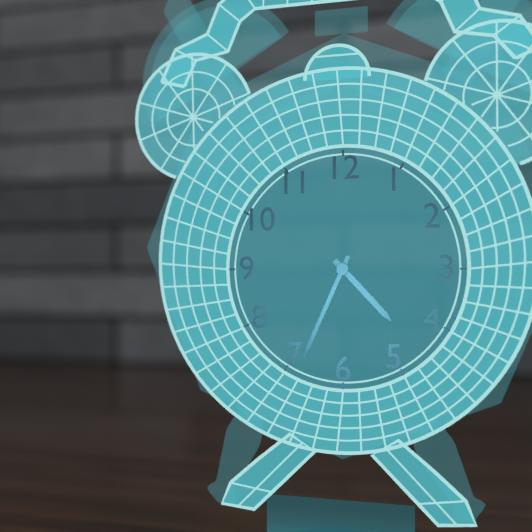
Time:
4.34
